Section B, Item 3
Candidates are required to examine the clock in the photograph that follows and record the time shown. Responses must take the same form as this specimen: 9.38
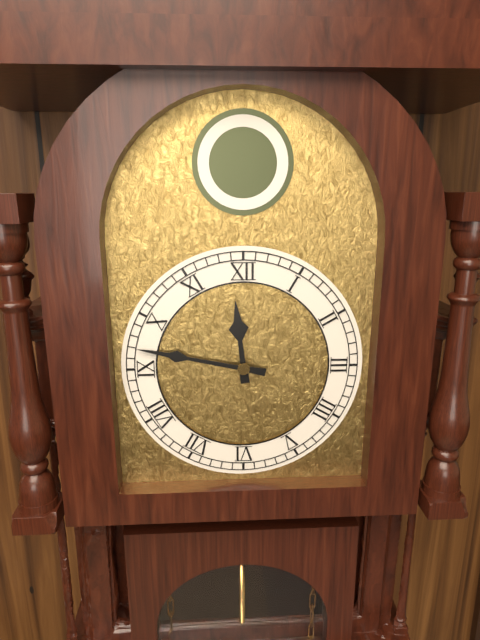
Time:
11.47
